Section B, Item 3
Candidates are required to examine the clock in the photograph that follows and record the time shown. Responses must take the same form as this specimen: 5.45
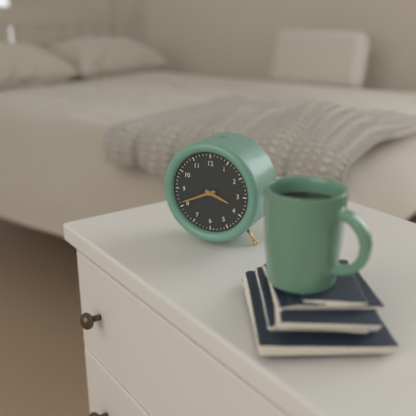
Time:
3.41
